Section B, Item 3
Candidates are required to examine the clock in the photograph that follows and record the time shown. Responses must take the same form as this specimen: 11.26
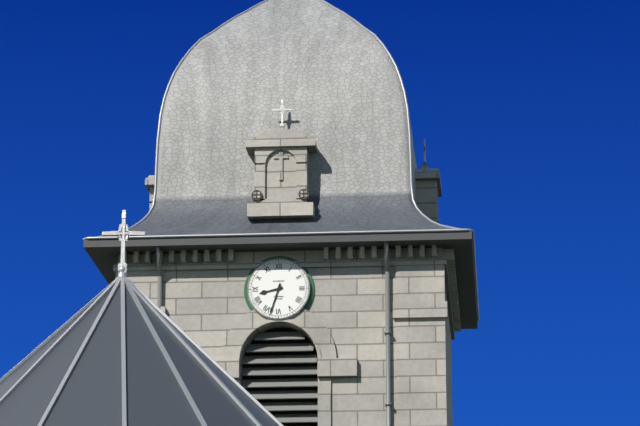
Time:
8.33
